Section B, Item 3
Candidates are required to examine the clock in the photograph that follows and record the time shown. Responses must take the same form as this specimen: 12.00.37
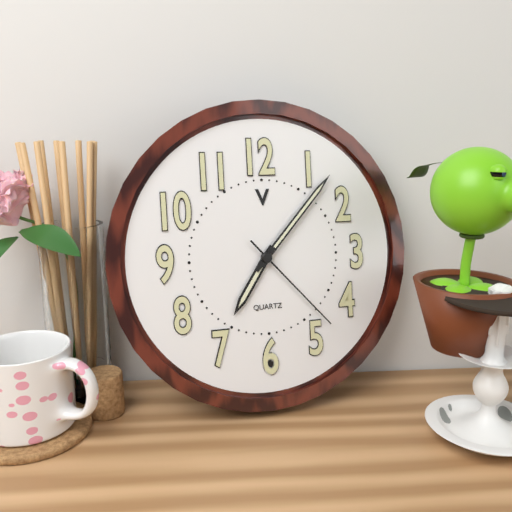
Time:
7.07.23
